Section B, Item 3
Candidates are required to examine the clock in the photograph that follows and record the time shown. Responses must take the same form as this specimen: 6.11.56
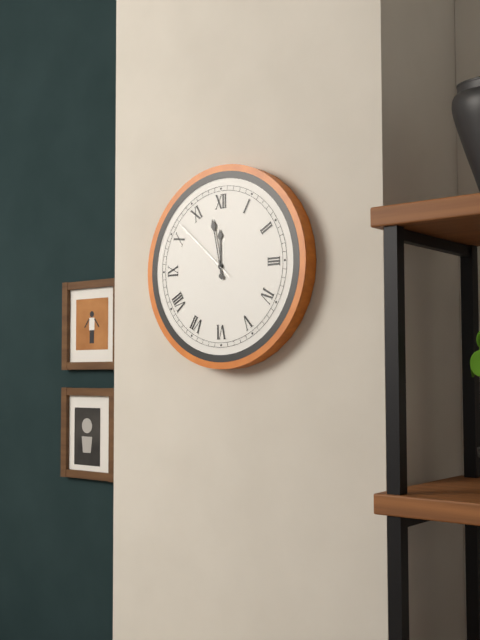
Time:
11.58.52
